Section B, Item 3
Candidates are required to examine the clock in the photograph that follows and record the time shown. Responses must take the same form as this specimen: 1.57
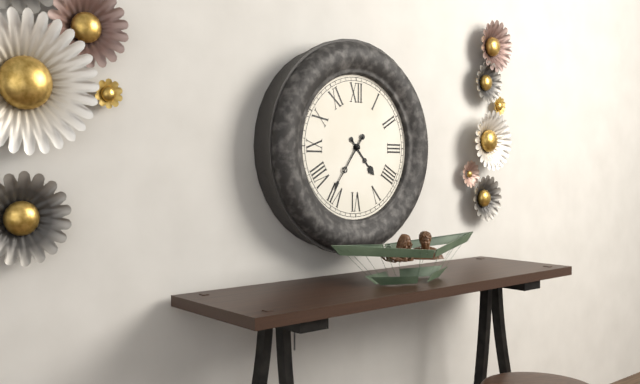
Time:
4.36
